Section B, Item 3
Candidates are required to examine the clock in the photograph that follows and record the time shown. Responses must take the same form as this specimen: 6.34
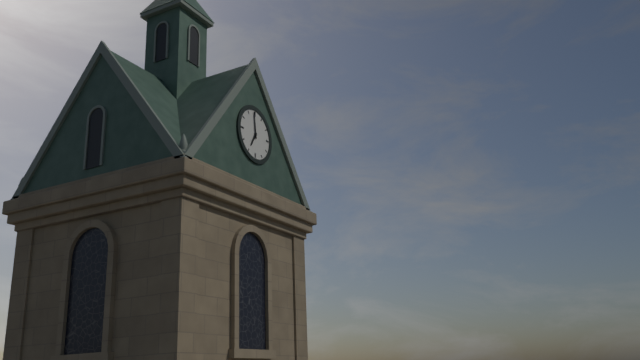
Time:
6.59
